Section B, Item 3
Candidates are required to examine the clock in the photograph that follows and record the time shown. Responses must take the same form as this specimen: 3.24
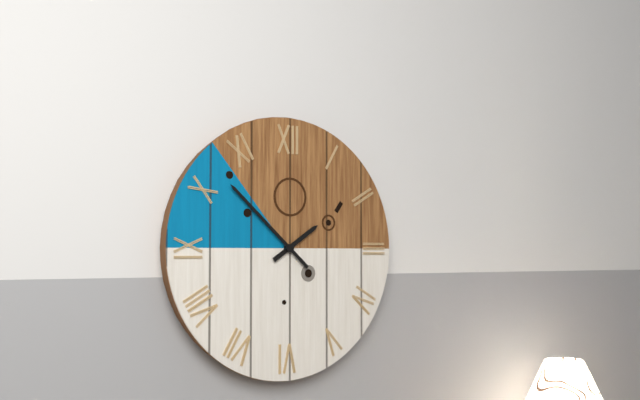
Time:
1.52
